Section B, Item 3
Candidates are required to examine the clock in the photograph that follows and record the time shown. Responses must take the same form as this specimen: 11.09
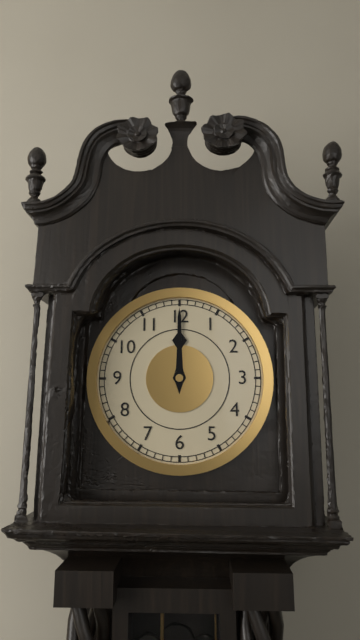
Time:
12.00
